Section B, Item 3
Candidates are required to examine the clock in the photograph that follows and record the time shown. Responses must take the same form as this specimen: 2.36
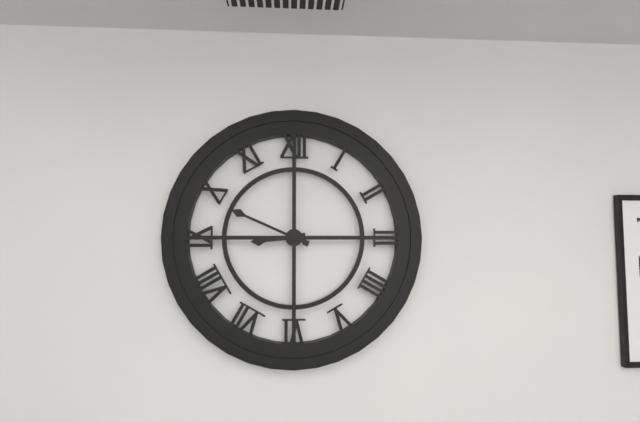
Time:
8.49
